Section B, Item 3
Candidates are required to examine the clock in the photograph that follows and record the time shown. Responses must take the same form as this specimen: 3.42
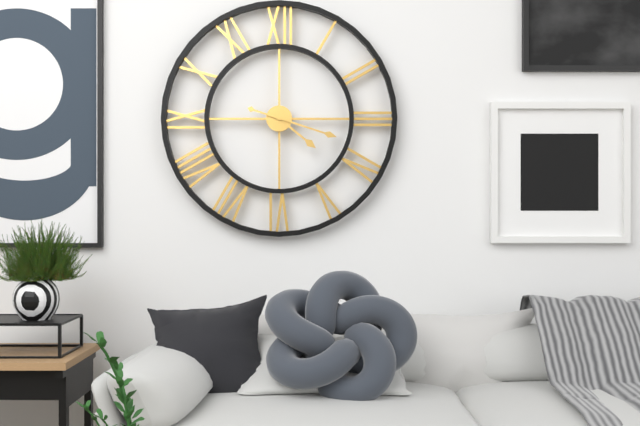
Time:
4.18
